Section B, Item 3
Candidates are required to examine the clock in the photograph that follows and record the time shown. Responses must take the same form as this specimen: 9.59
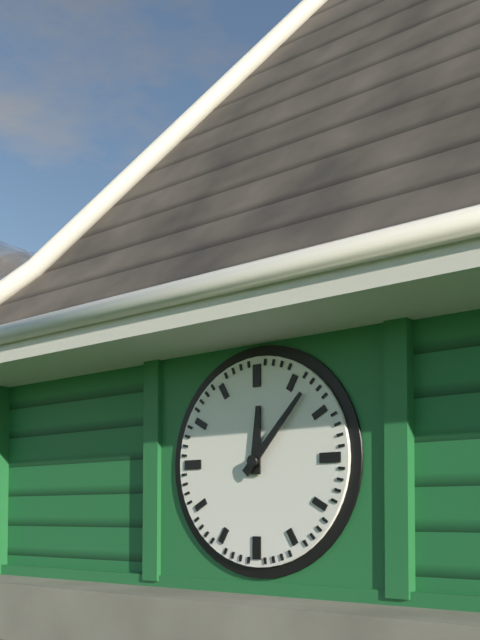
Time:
12.07
